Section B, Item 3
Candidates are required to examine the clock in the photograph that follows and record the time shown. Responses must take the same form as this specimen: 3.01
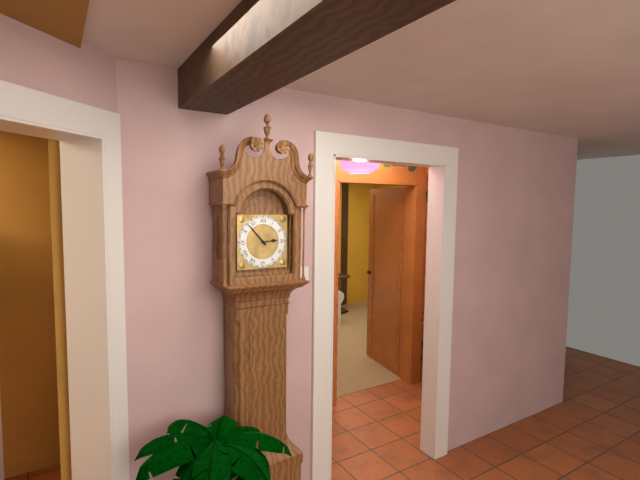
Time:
2.53
